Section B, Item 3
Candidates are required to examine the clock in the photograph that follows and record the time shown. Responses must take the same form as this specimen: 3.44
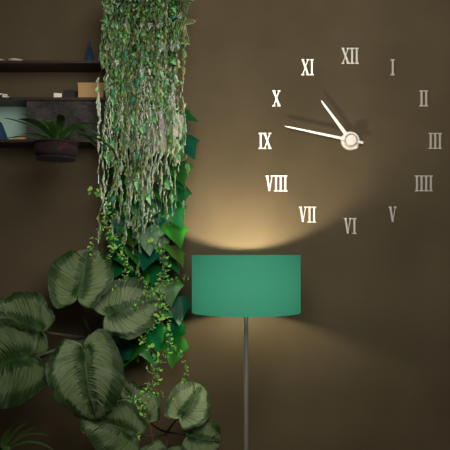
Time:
10.47
